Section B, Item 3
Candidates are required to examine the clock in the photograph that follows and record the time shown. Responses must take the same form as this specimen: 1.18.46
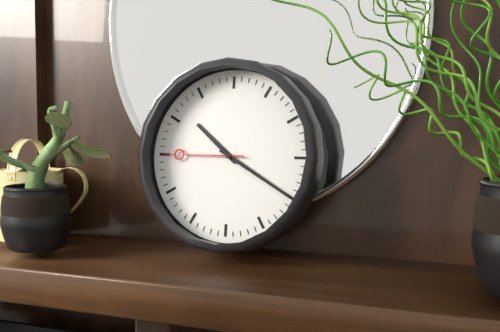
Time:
10.20.45
